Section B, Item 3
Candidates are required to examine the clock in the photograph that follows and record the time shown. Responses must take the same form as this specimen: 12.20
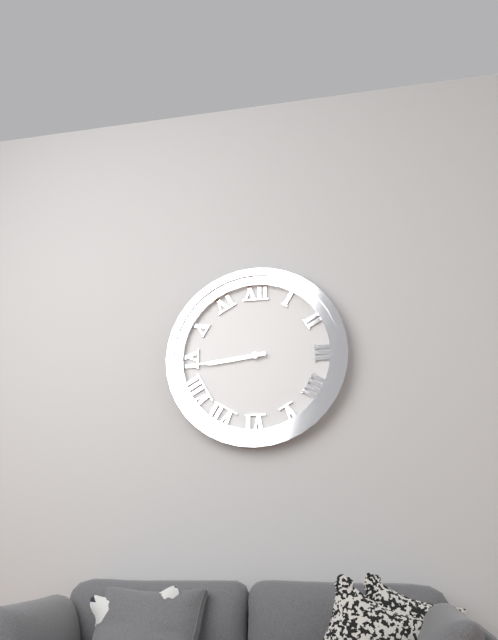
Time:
8.44
